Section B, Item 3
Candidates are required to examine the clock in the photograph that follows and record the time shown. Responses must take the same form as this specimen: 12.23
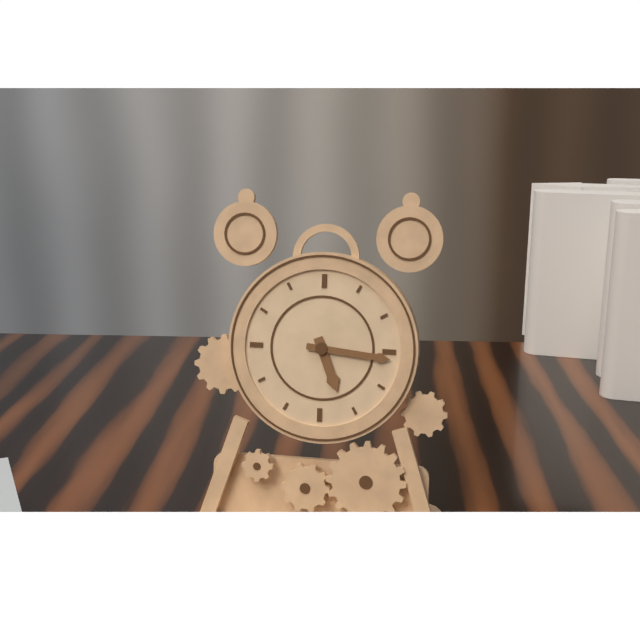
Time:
5.16
